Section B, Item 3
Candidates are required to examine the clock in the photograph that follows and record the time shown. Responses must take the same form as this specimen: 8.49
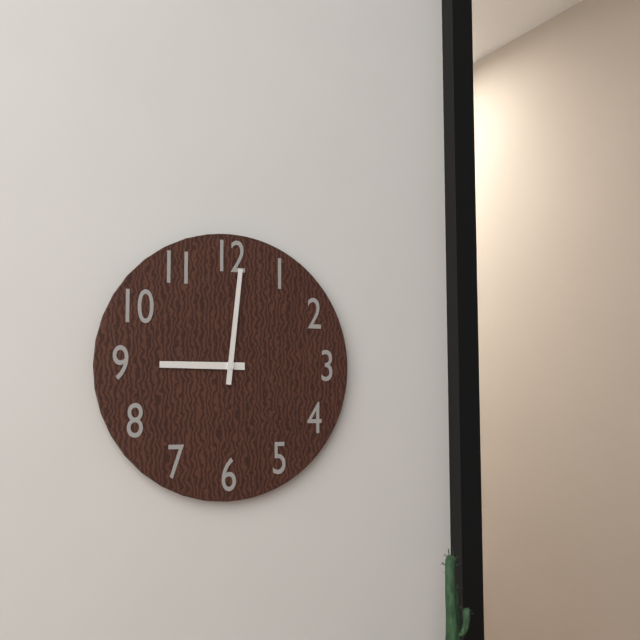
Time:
9.01
